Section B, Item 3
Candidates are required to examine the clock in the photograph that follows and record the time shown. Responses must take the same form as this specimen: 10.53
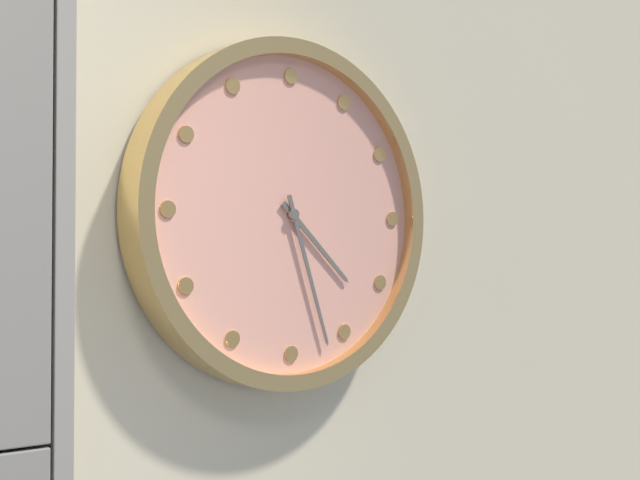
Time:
4.27
